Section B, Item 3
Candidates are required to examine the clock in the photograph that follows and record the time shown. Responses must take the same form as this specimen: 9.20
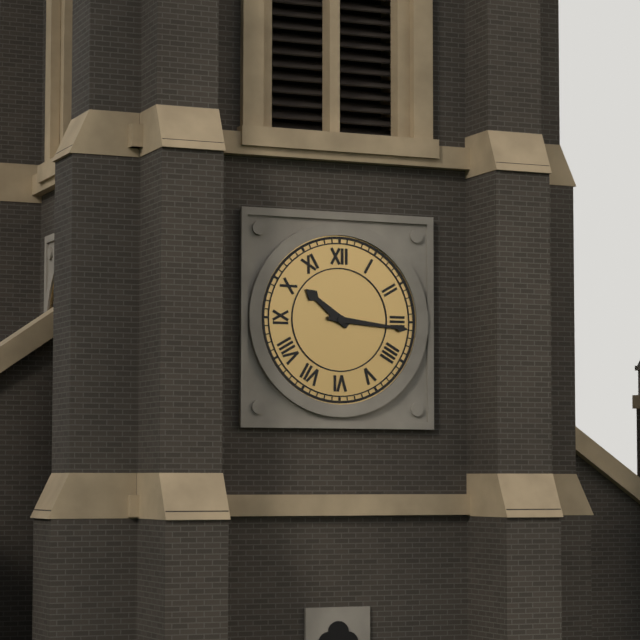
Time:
10.16
